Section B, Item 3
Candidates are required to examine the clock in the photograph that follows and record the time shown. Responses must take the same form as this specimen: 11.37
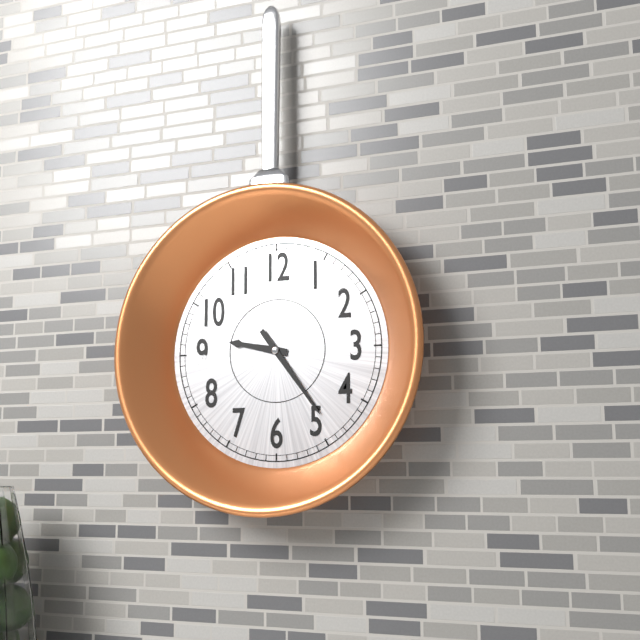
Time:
9.24
